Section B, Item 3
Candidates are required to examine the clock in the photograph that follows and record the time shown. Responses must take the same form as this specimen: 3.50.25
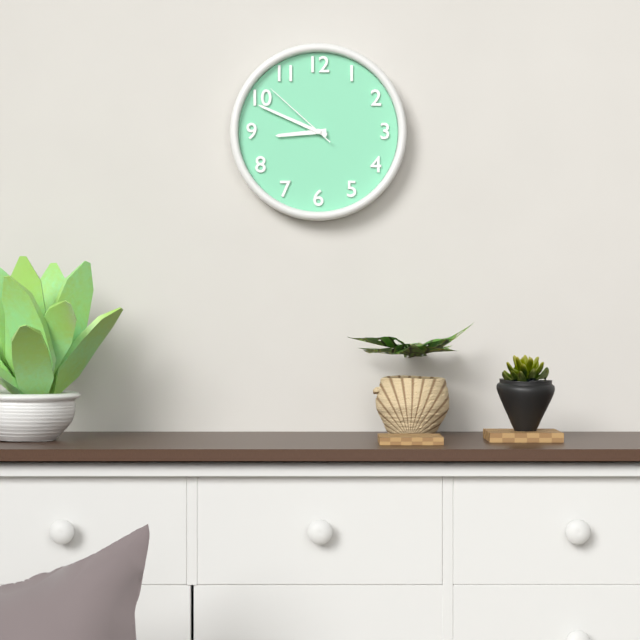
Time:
8.49.52
